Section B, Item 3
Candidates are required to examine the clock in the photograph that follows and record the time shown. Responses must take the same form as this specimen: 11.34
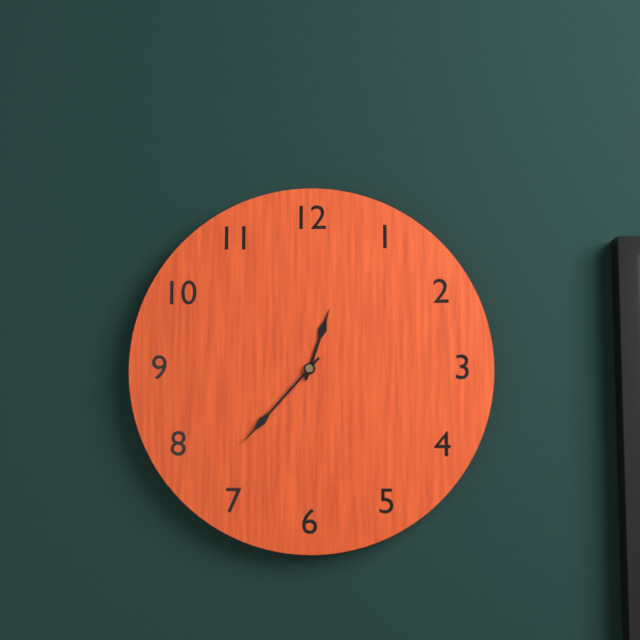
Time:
12.37
